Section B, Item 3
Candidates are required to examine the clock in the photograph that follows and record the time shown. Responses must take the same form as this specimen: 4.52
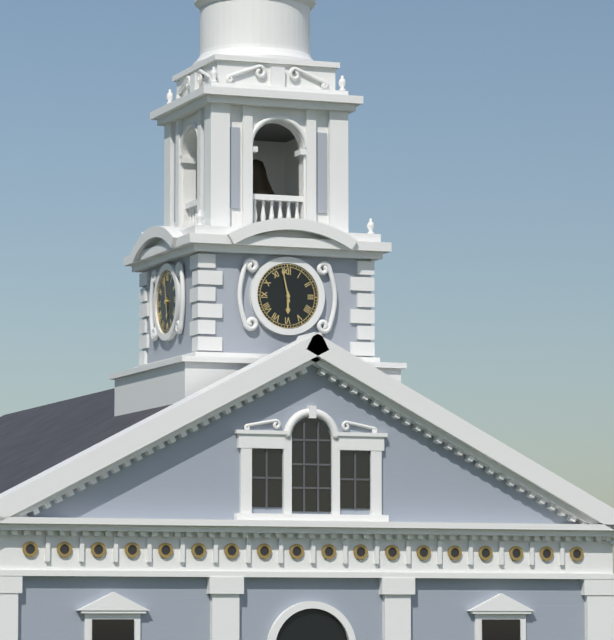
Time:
5.58
